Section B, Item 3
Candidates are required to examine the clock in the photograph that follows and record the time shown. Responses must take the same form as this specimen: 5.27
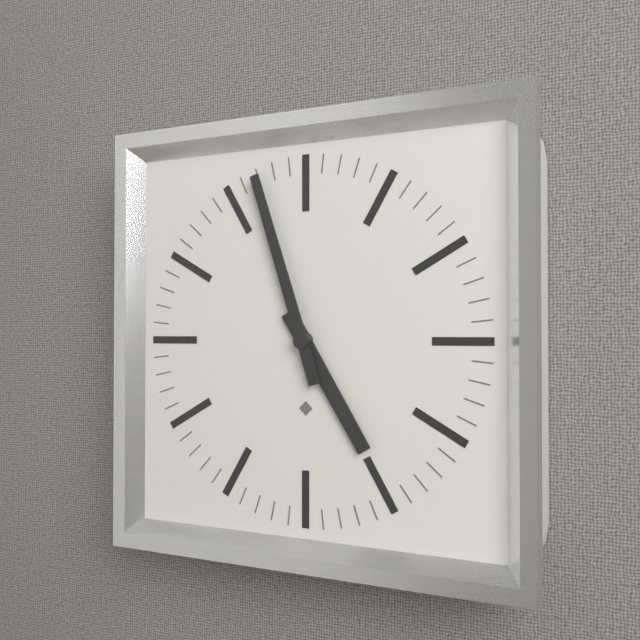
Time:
4.57
